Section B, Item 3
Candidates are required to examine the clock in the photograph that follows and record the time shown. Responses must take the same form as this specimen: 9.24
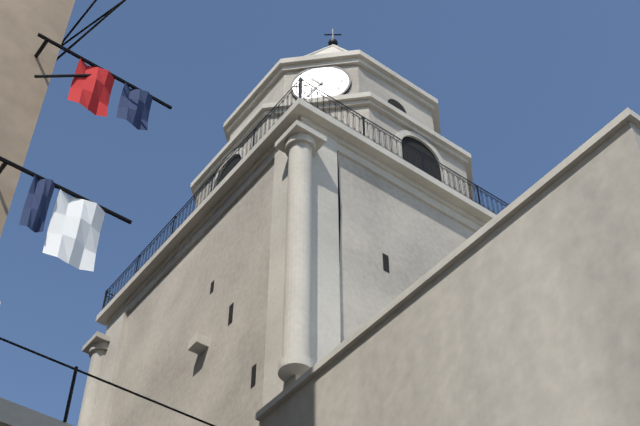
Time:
10.36
